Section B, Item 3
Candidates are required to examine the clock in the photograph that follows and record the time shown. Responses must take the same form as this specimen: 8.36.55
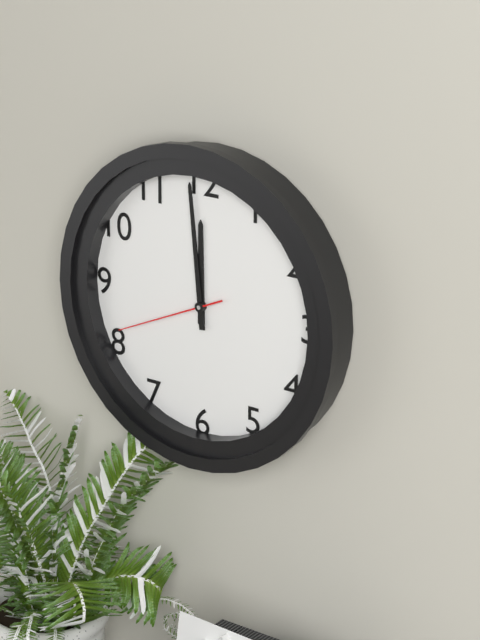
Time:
11.59.41
